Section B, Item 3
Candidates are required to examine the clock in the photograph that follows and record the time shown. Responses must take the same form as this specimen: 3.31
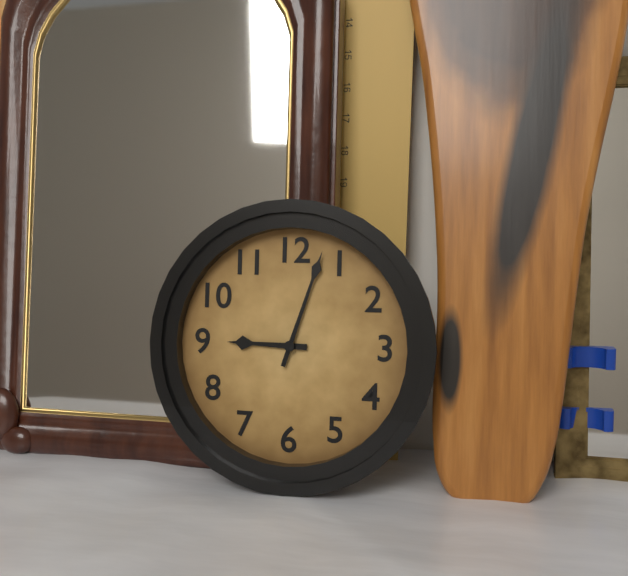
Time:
9.03
